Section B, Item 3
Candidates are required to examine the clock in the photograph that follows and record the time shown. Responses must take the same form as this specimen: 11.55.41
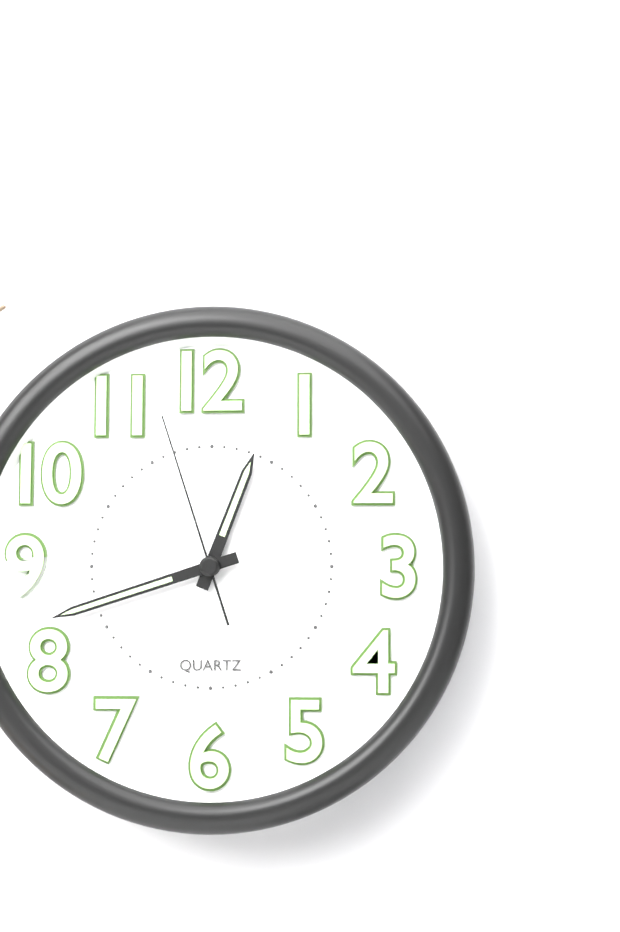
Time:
12.42.57
